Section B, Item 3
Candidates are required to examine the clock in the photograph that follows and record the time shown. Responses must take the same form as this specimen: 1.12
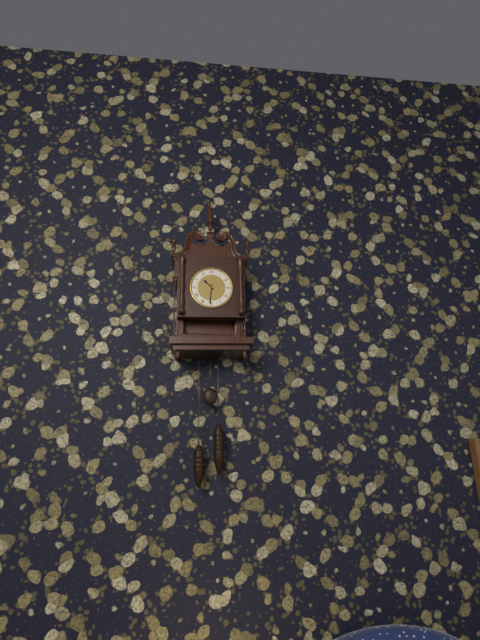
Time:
10.31
